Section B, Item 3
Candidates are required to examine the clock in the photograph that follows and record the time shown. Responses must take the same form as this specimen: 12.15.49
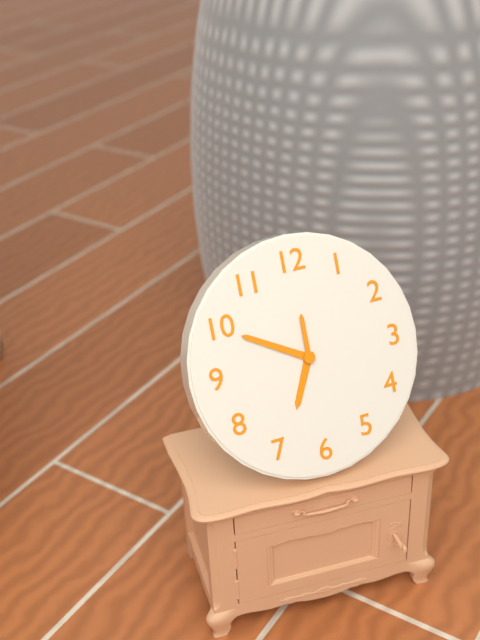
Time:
6.50.00
